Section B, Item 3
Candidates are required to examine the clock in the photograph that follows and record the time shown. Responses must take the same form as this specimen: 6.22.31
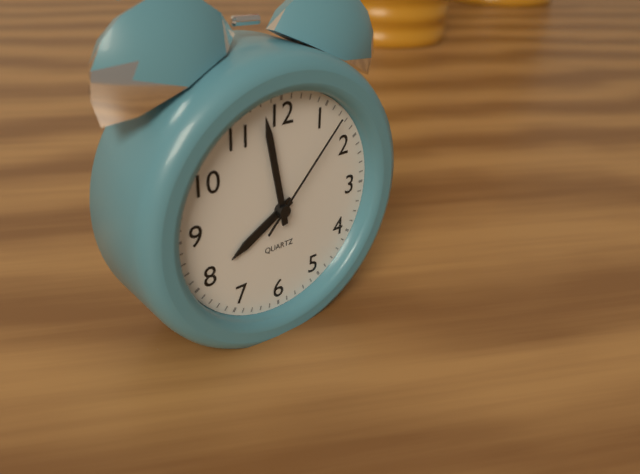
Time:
7.58.07
